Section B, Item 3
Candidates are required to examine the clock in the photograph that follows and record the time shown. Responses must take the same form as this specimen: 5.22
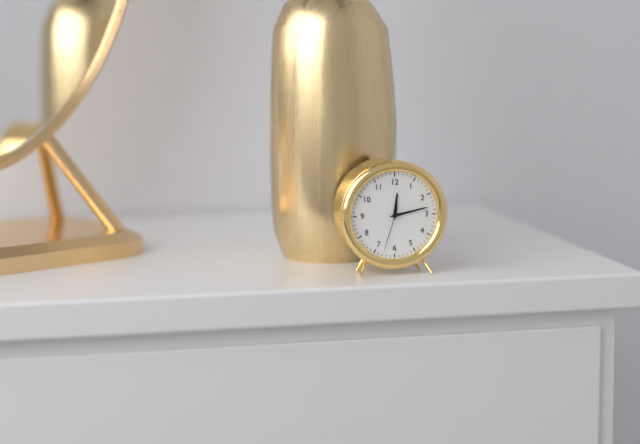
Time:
12.13
